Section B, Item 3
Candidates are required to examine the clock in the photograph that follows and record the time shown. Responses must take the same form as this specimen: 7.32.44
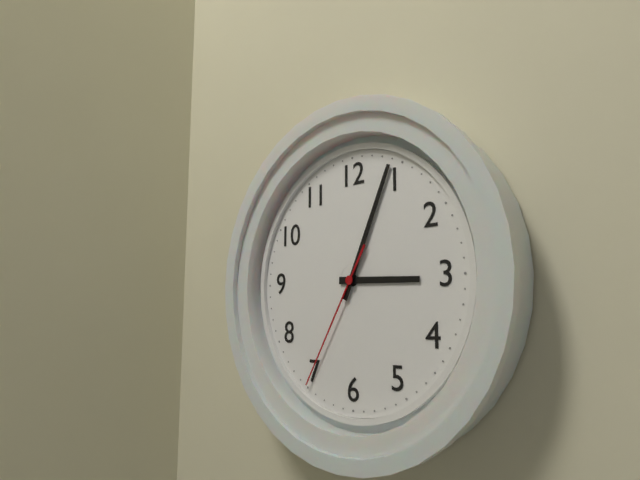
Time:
3.04.35
